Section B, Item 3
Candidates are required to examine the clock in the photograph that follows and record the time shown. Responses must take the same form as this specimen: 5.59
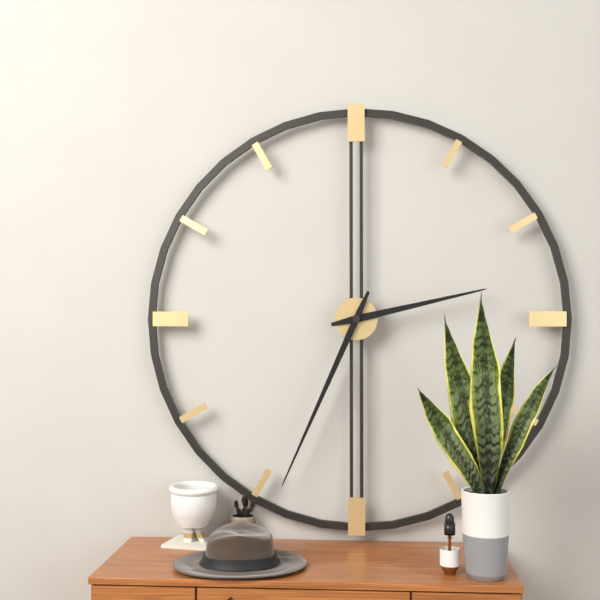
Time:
2.34
